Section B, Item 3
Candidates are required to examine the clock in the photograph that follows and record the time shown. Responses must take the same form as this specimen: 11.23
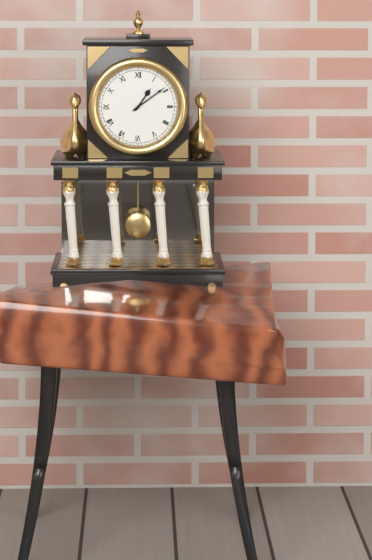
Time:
1.09
